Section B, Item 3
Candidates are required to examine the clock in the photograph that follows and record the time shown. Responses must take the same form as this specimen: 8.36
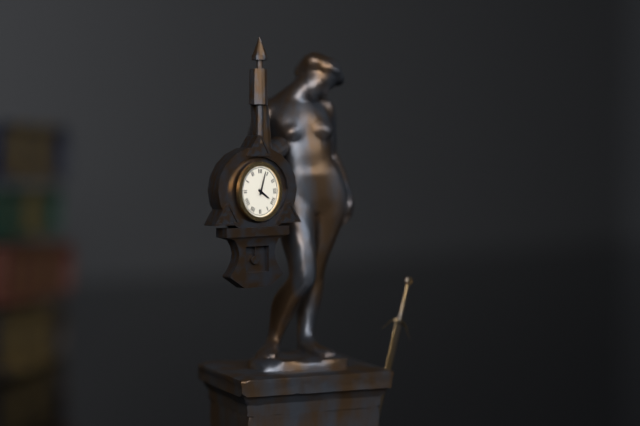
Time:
4.03
